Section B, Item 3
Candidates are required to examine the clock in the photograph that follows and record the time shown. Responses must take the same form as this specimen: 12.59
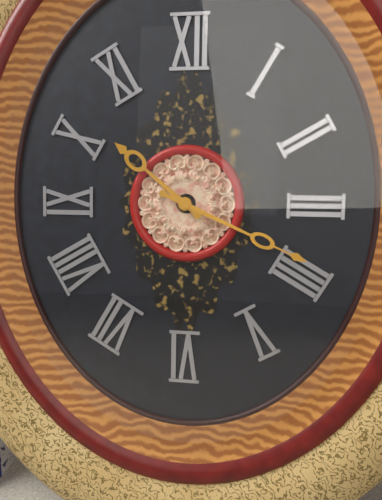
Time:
10.19
